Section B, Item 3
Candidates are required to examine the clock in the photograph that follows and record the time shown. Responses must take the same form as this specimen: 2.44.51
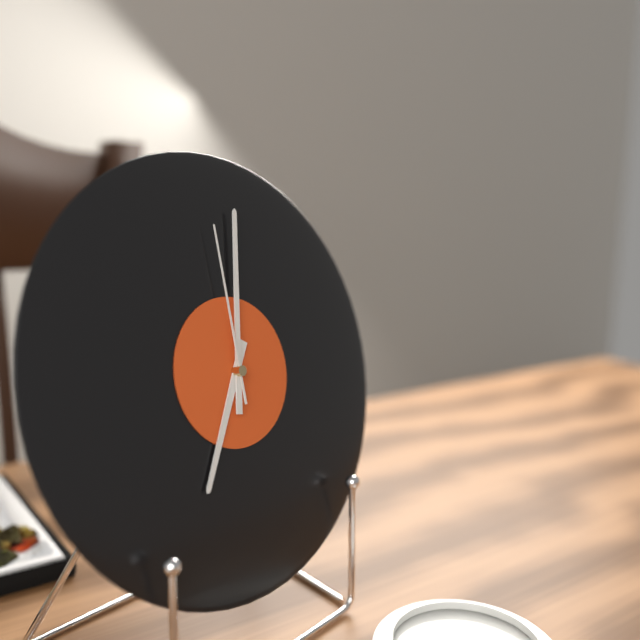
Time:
7.02.00
